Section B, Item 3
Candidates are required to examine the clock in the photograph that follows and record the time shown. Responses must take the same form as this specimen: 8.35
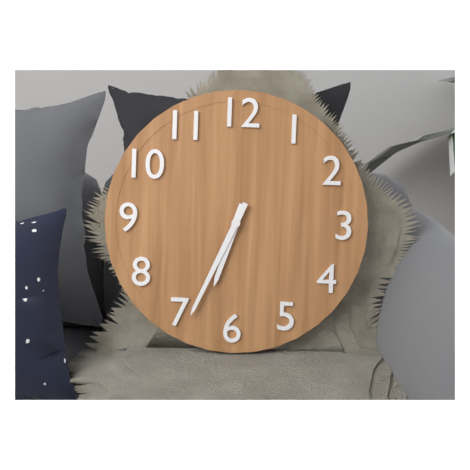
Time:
6.34
